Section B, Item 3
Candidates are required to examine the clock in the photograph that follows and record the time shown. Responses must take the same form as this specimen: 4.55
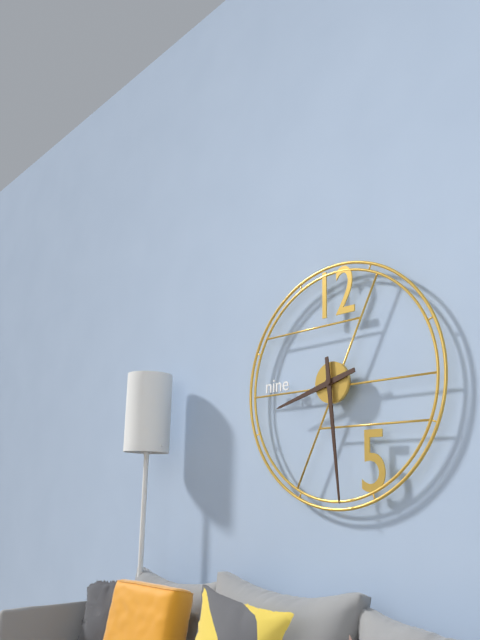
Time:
8.29
